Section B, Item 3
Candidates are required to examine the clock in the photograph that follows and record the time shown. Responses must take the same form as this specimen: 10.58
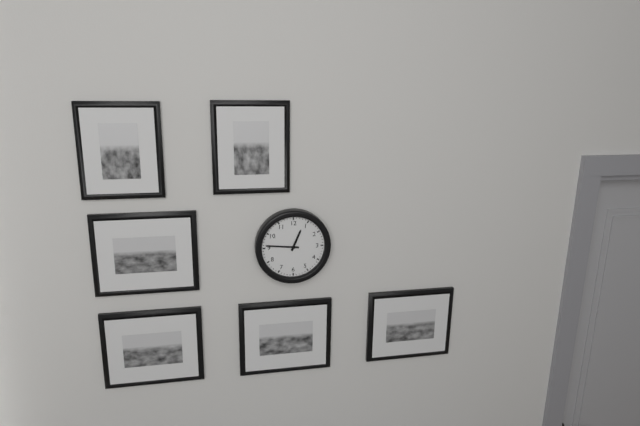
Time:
12.46
